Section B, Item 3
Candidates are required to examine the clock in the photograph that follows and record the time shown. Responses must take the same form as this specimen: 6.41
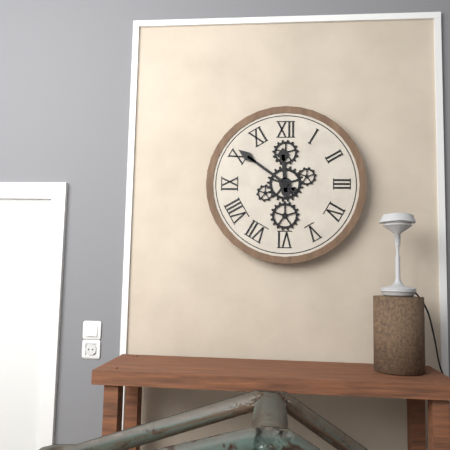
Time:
11.51
